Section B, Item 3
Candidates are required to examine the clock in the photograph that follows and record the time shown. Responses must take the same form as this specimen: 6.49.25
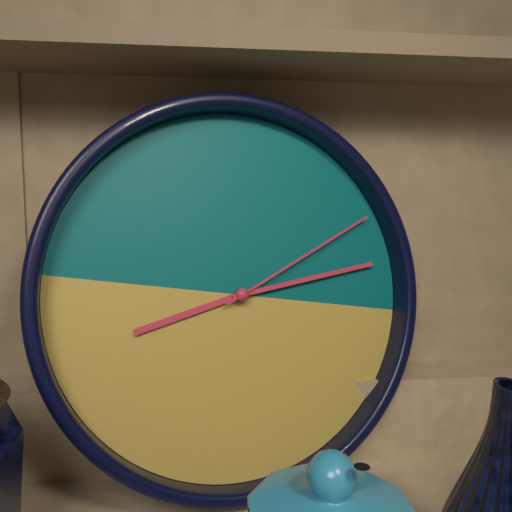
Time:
8.12.09
